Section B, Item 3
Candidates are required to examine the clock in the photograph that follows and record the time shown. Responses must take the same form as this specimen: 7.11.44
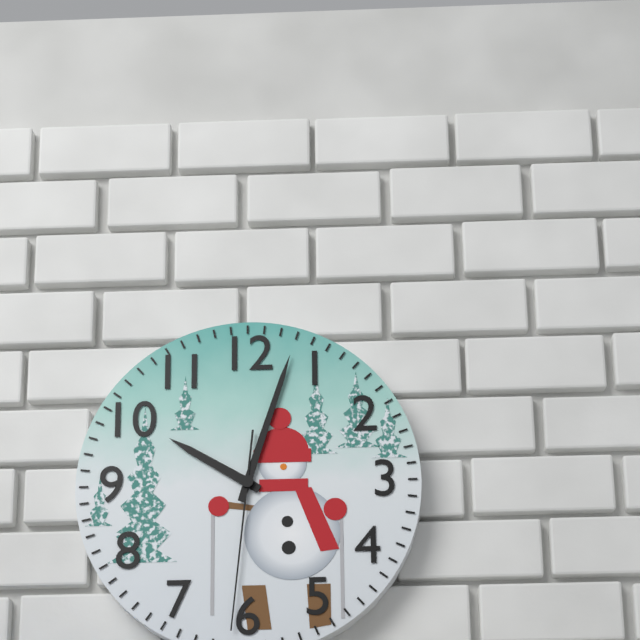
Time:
10.03.31
